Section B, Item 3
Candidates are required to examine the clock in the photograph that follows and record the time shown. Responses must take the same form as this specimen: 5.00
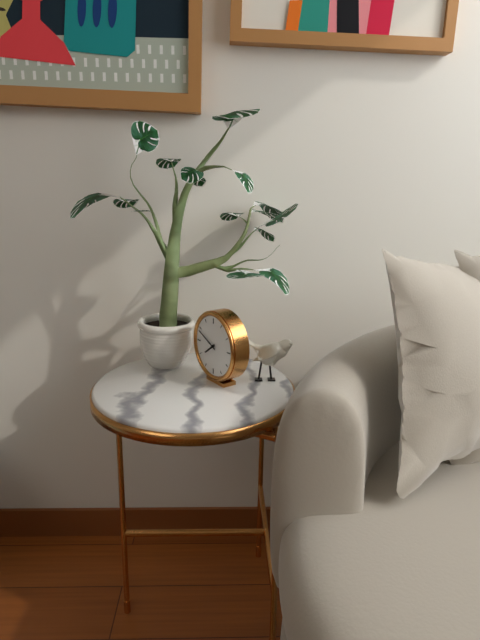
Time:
7.49
